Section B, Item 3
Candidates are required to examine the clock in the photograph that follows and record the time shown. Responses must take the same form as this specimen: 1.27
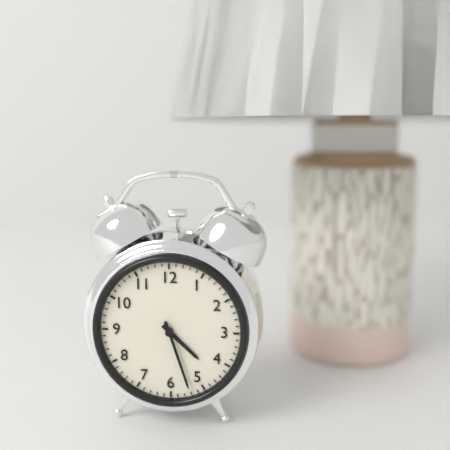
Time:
4.27
